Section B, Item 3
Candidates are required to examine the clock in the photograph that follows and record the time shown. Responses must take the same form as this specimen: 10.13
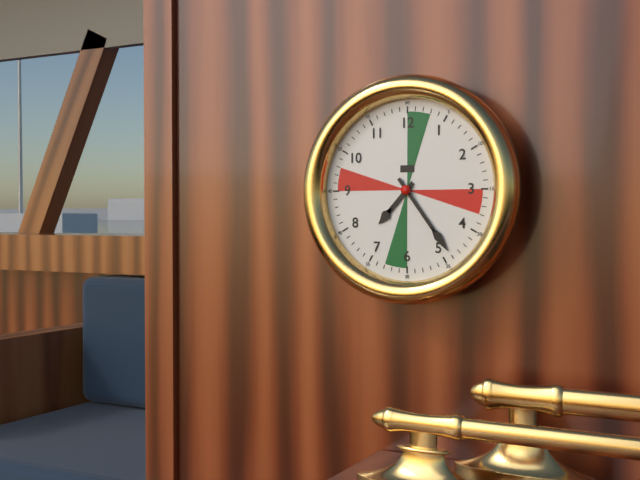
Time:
7.24
